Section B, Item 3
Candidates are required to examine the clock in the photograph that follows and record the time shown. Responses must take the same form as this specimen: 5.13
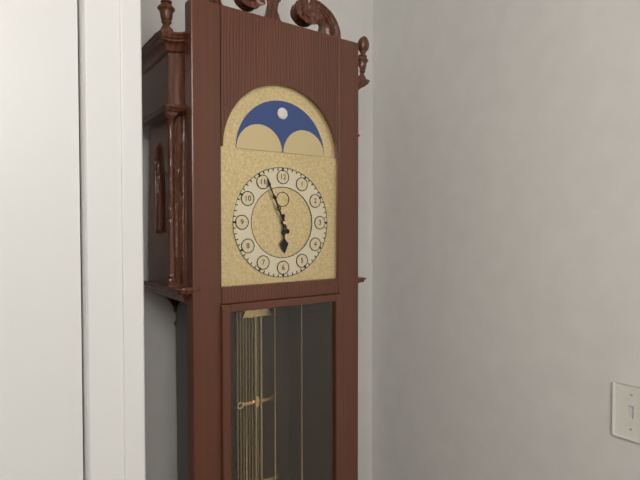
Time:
5.56
